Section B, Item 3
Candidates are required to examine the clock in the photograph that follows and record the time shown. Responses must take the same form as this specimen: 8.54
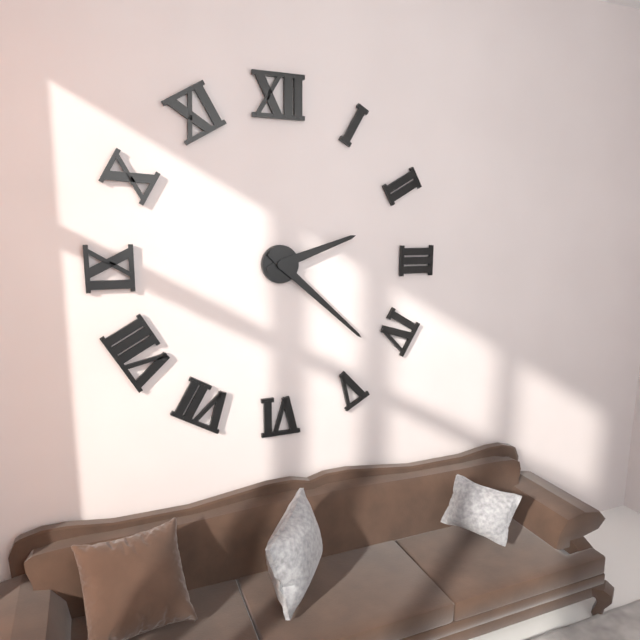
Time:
2.22
